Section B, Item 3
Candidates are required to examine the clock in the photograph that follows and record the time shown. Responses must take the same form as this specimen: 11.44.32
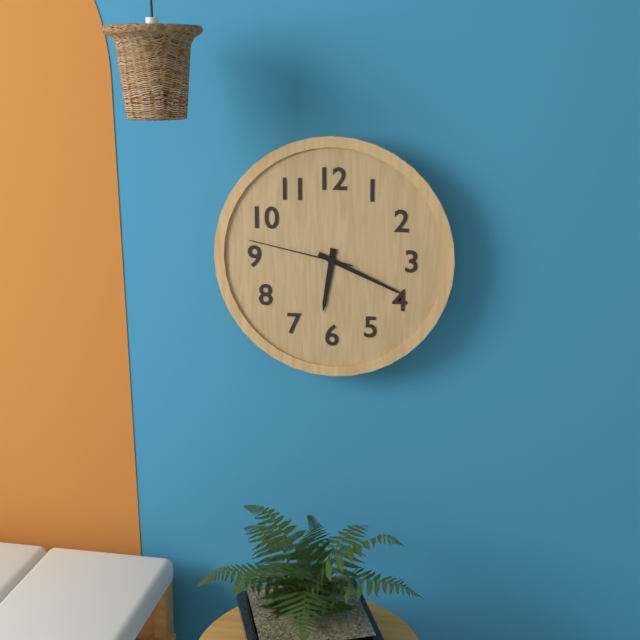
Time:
6.19.47
